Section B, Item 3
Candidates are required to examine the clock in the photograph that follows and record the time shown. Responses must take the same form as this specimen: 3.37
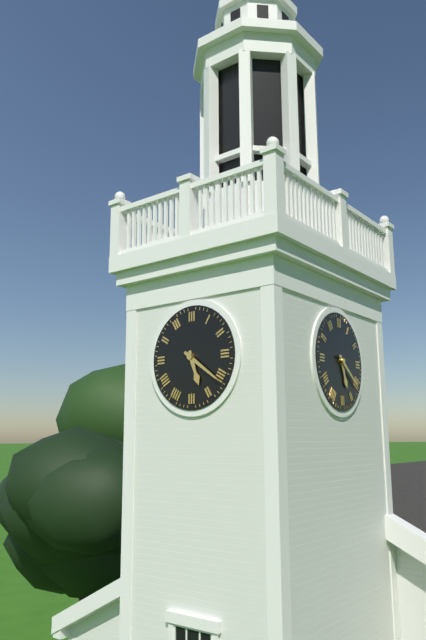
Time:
5.21
